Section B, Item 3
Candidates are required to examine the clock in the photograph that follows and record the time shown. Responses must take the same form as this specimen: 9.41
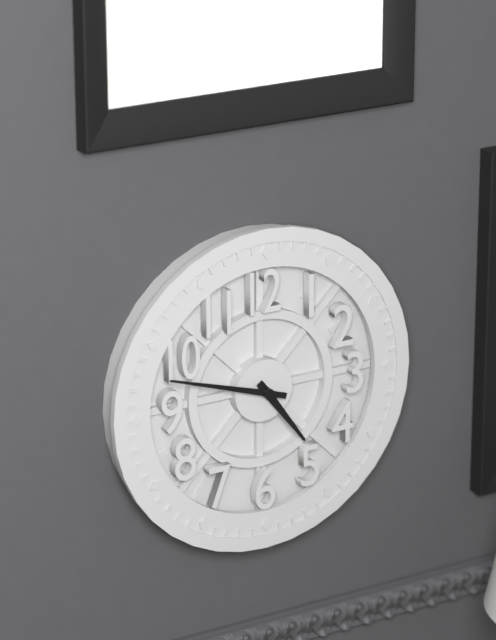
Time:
4.48
